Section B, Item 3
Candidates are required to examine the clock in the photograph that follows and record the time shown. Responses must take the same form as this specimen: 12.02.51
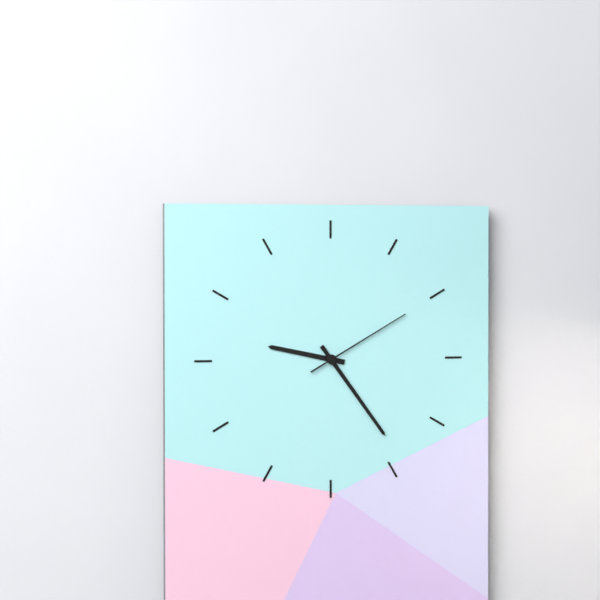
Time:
9.24.10
